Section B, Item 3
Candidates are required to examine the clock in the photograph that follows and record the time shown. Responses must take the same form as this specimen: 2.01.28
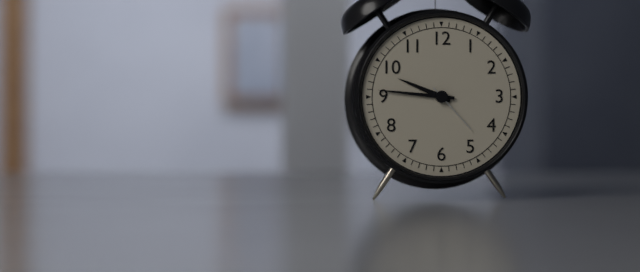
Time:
9.46.23
